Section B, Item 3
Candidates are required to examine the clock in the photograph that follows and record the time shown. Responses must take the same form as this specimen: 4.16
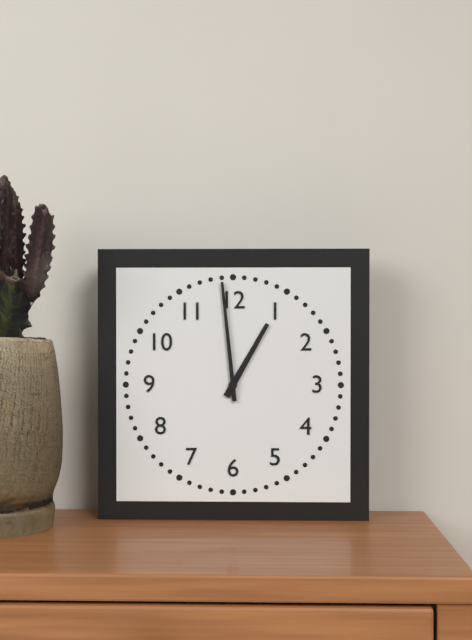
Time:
12.59
